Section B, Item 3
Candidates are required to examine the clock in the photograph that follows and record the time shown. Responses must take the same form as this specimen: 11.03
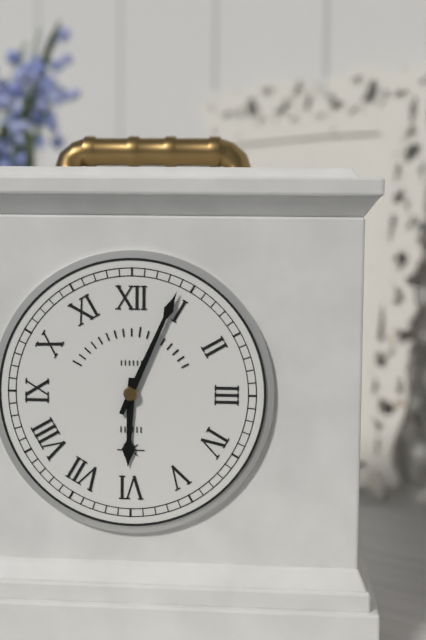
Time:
6.04
